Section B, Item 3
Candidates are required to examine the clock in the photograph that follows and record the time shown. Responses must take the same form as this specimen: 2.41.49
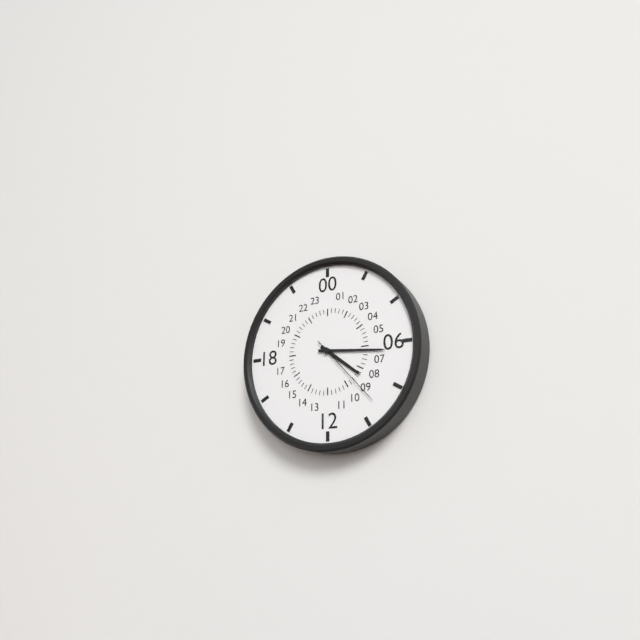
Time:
4.16.23
